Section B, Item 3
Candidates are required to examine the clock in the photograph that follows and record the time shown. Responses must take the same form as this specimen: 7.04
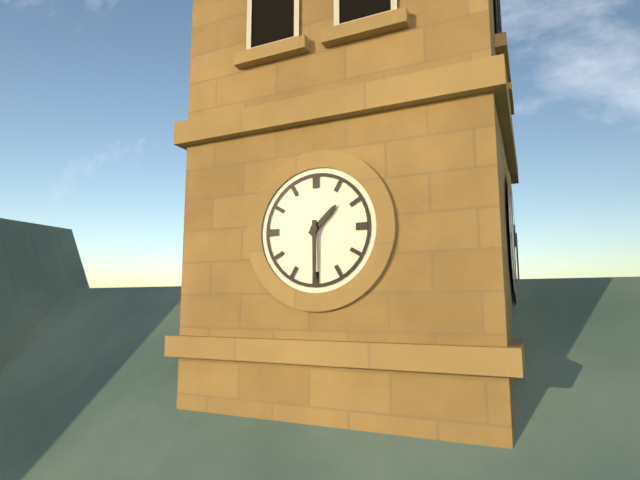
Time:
1.30
